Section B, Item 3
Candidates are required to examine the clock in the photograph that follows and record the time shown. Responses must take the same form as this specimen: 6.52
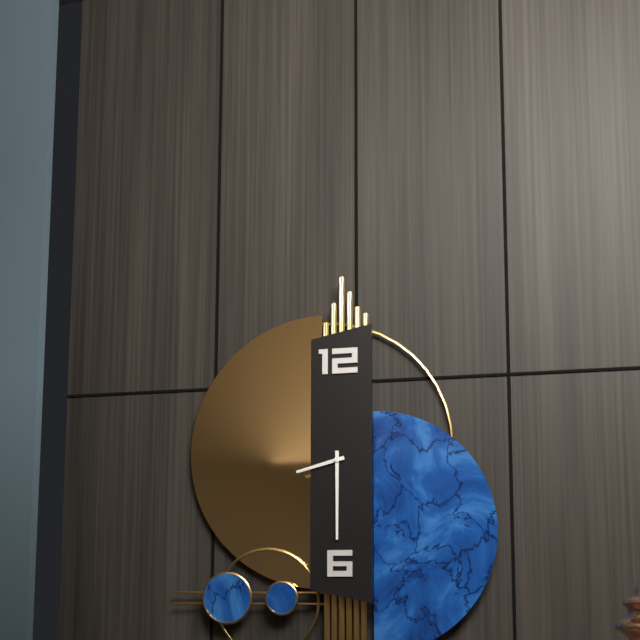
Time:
8.30
